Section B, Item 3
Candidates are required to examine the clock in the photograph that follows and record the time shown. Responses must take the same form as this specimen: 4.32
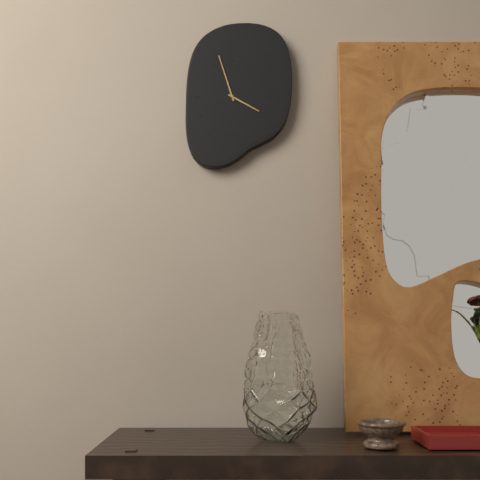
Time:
3.57
